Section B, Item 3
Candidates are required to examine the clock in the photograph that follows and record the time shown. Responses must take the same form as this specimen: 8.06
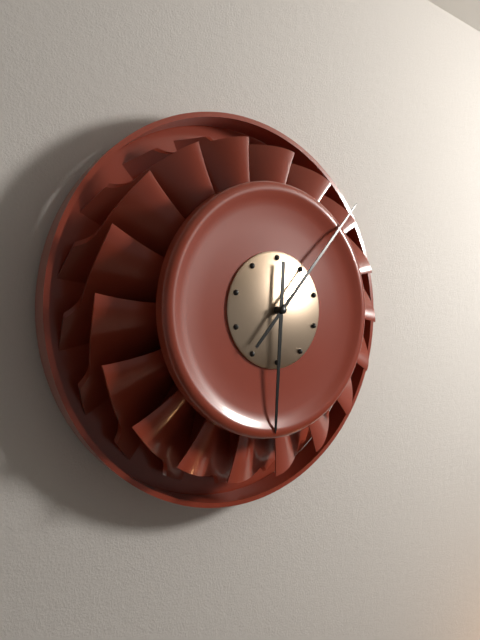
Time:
6.07
